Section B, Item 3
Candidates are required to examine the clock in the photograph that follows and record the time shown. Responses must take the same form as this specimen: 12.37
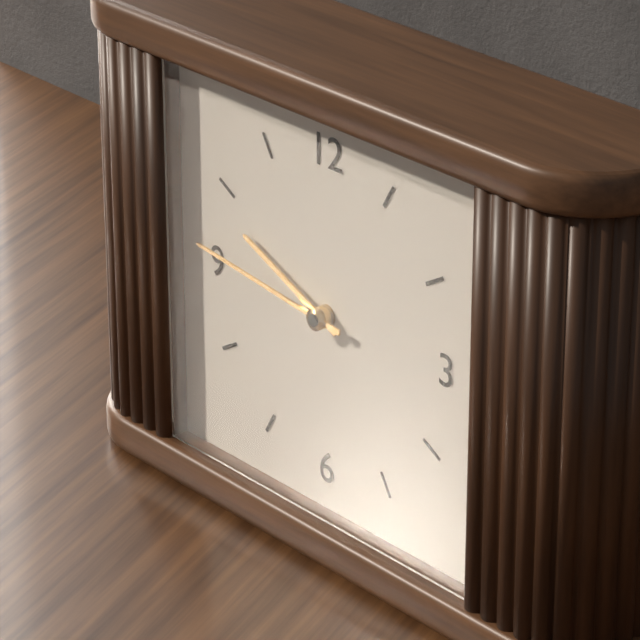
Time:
9.46
